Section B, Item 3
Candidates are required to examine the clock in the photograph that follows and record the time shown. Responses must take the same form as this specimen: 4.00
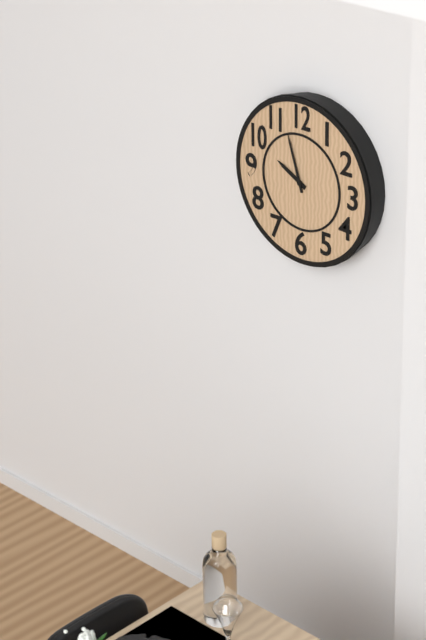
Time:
9.57
